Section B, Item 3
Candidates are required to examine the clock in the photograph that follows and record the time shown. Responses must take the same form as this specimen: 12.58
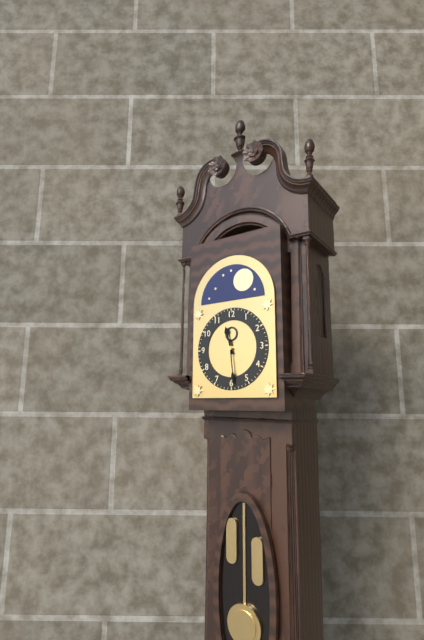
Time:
11.29
